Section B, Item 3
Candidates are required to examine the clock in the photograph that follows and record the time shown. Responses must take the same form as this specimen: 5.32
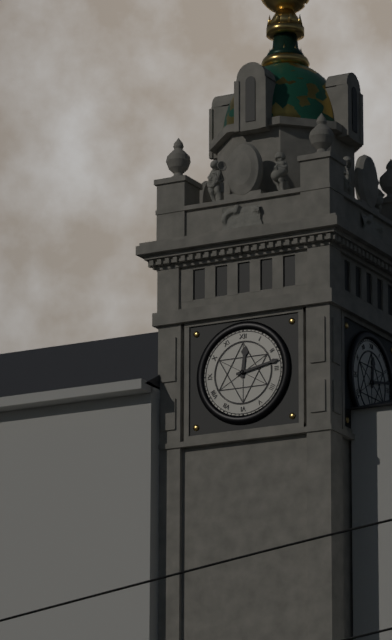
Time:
12.13
